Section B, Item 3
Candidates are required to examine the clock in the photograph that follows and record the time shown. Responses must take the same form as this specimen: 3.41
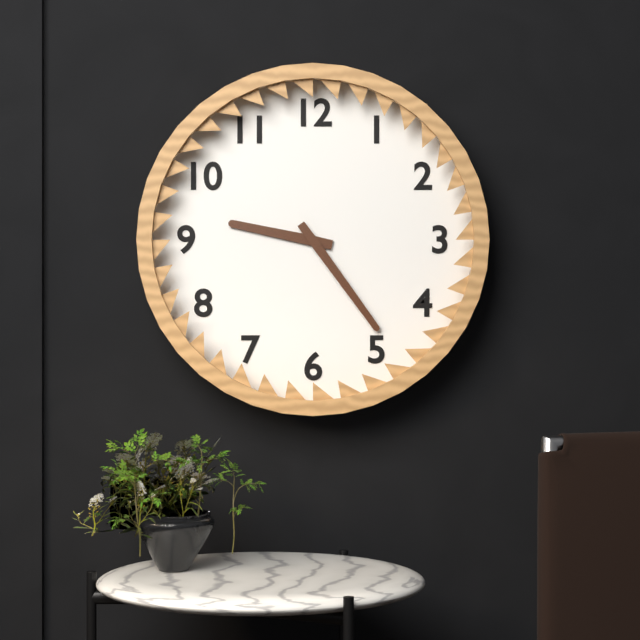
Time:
9.24
